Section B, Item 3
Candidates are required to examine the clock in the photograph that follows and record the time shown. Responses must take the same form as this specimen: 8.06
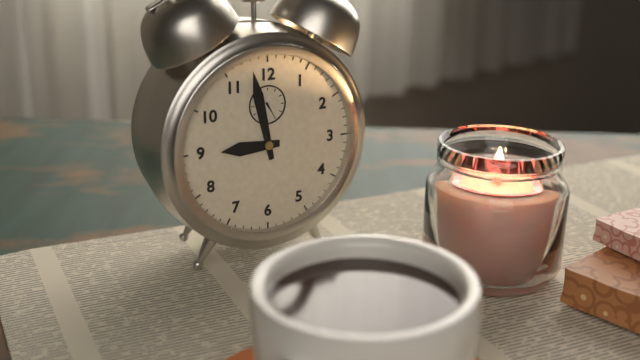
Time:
8.58
